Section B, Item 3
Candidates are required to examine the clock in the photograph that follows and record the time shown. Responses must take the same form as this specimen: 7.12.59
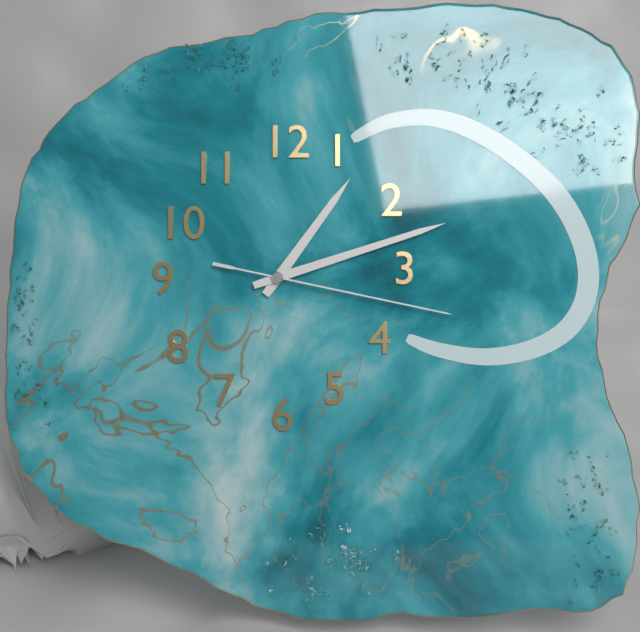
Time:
1.12.17
